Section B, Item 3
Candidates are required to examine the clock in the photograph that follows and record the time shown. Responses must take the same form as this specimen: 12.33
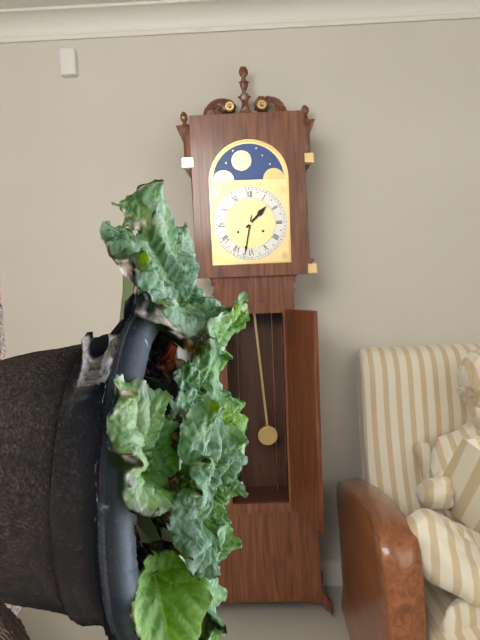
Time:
1.32
